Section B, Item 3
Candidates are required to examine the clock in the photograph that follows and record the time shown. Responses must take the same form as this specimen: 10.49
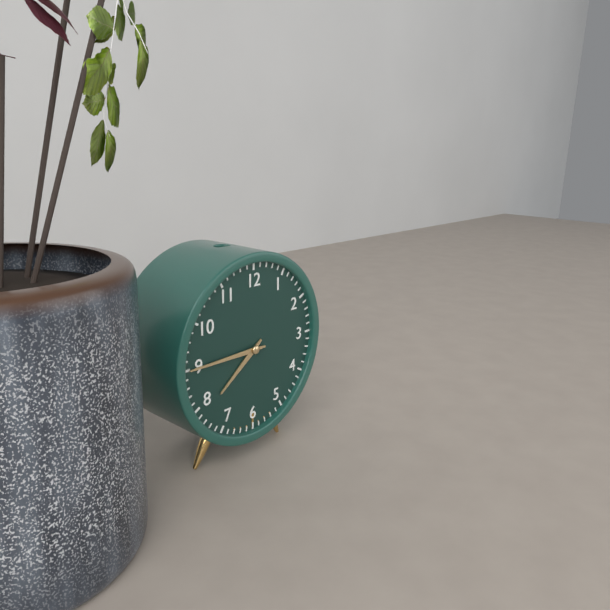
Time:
7.45
